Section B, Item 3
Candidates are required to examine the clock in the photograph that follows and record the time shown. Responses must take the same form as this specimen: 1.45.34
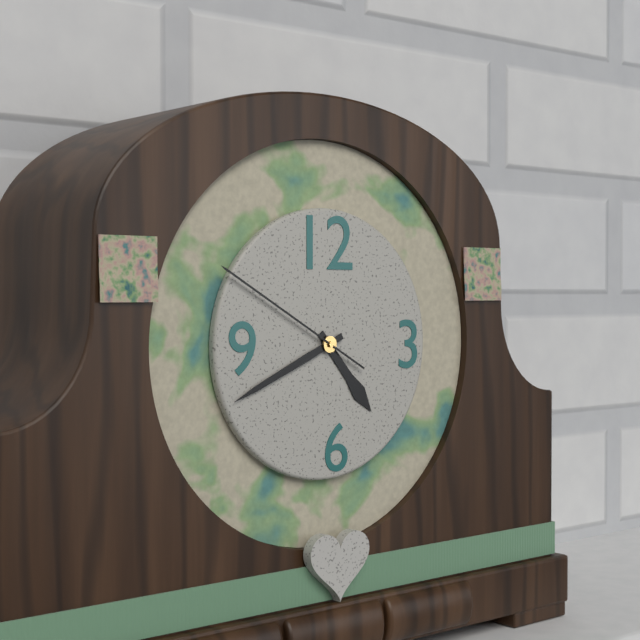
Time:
4.41.50
